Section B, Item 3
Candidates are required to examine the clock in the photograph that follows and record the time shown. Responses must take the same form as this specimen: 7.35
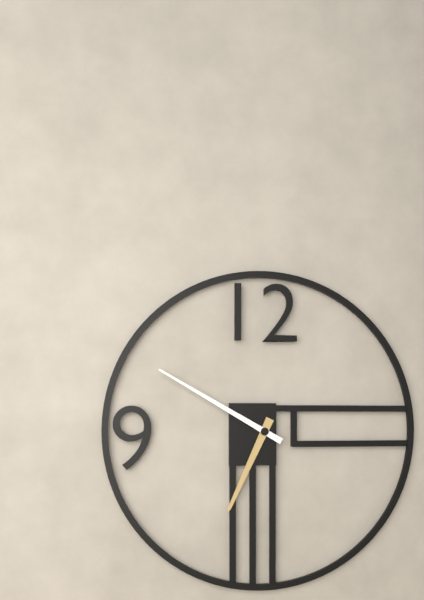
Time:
6.50
